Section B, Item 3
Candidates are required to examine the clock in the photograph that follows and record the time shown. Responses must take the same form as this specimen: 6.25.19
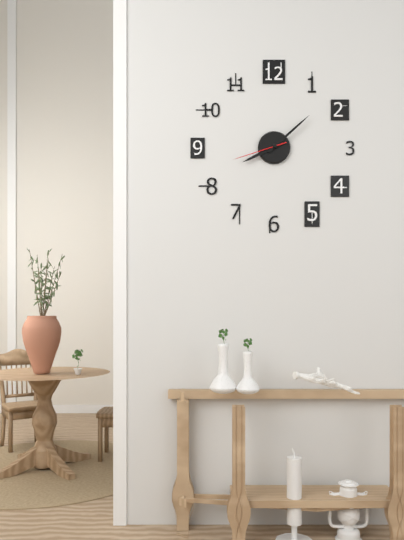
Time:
8.08.42
